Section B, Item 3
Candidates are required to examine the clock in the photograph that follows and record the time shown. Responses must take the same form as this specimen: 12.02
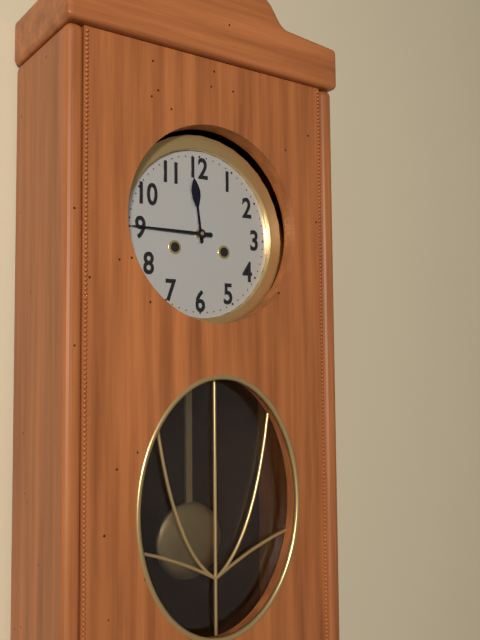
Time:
11.45
